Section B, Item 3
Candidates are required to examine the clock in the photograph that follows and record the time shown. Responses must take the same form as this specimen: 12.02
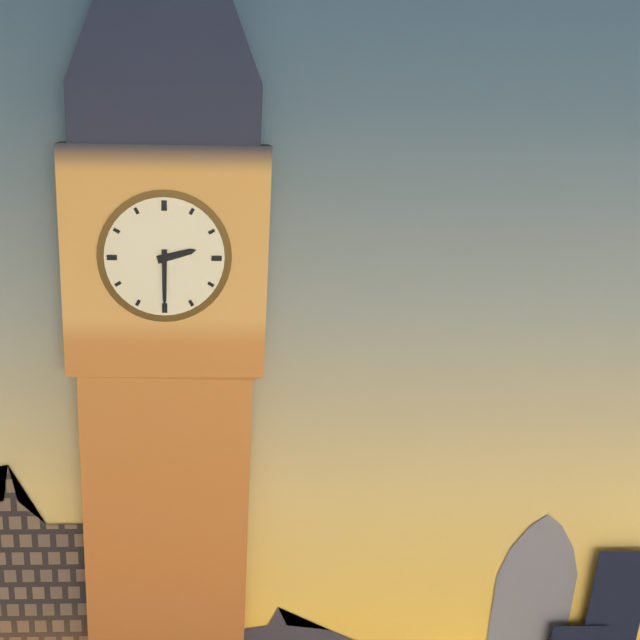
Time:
2.30
